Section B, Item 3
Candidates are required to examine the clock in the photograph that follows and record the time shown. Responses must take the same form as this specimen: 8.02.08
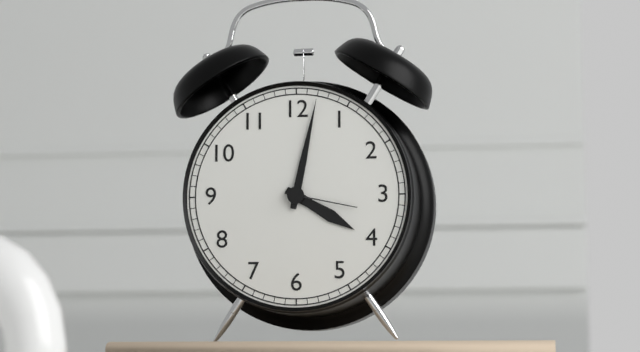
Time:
4.02.17
